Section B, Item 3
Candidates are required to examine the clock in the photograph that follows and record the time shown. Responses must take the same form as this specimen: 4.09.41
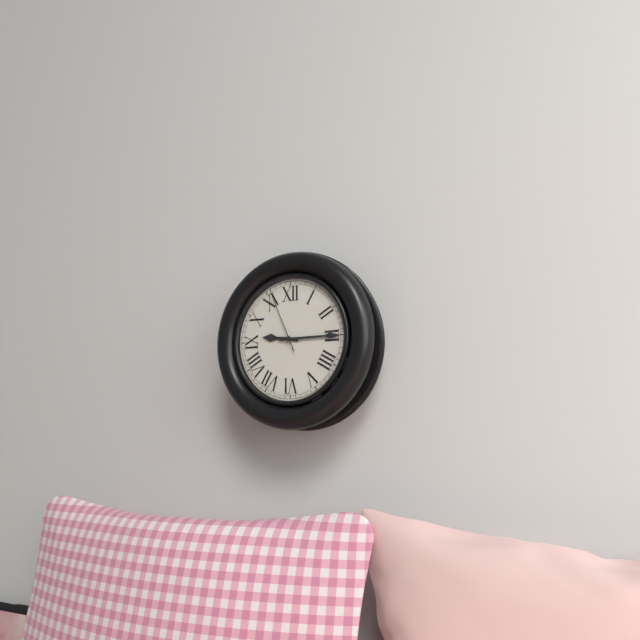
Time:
9.15.56
